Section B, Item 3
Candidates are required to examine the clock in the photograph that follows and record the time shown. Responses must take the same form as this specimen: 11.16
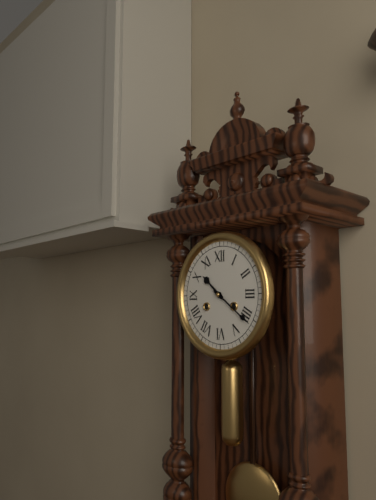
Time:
10.21
